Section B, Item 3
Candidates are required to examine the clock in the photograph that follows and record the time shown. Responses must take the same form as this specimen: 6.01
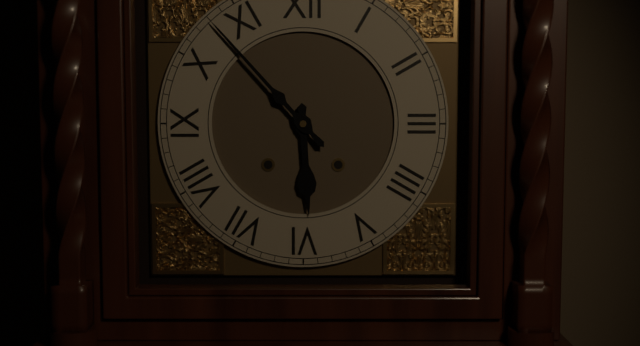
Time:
5.53
